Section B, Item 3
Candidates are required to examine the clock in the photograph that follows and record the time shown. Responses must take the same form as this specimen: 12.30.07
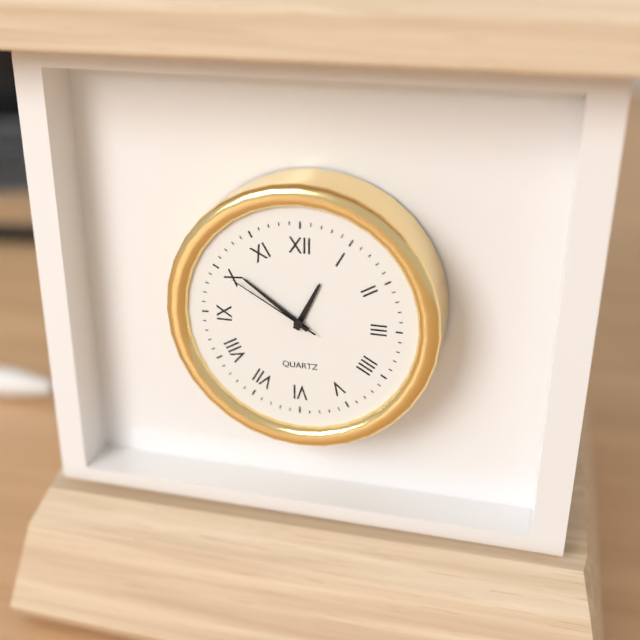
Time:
12.51.50
